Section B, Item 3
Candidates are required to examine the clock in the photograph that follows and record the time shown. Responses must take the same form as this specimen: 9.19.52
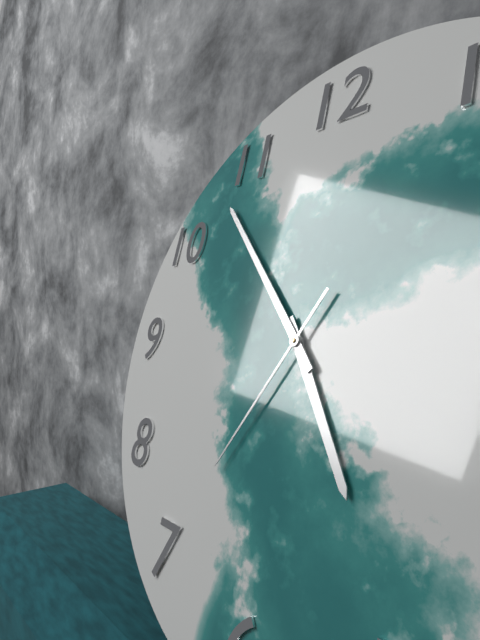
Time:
4.53.35
